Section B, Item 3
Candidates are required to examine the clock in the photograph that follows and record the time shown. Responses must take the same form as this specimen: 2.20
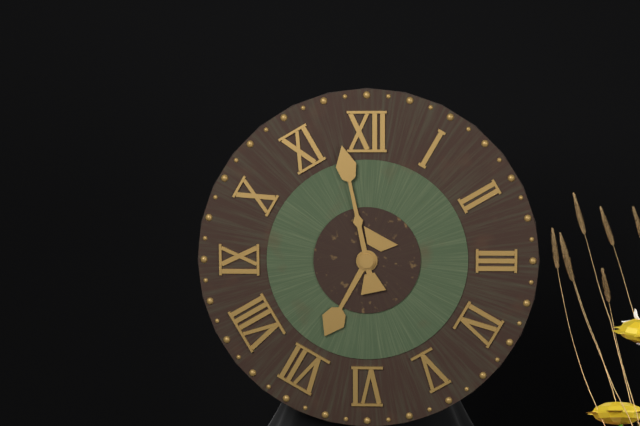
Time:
6.58
